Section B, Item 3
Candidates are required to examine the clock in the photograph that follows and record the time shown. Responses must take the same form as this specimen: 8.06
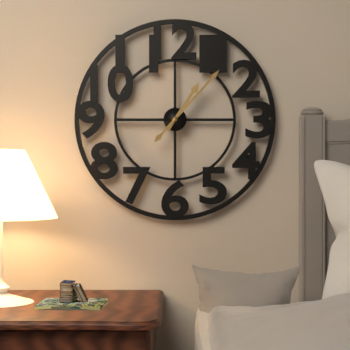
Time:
1.07
